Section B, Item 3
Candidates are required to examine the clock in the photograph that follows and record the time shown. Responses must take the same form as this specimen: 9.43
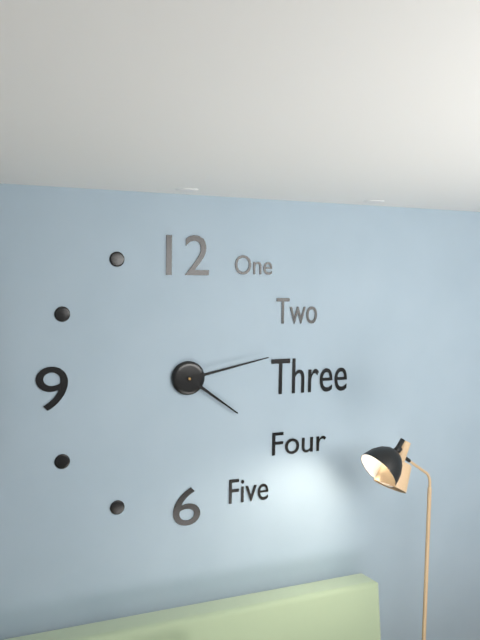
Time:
4.13
